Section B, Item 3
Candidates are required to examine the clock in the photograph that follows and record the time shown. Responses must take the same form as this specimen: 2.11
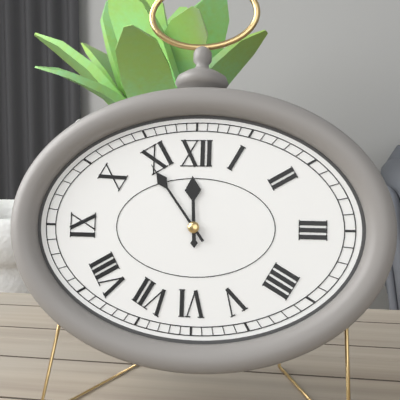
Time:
11.54
